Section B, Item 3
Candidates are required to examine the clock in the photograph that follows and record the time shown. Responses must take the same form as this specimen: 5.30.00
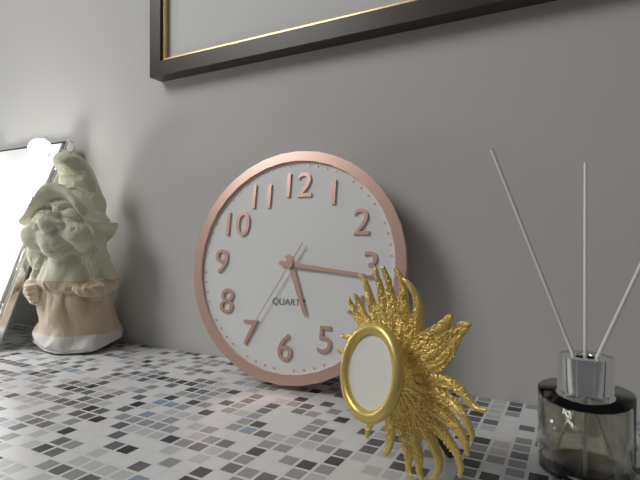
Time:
5.16.35
